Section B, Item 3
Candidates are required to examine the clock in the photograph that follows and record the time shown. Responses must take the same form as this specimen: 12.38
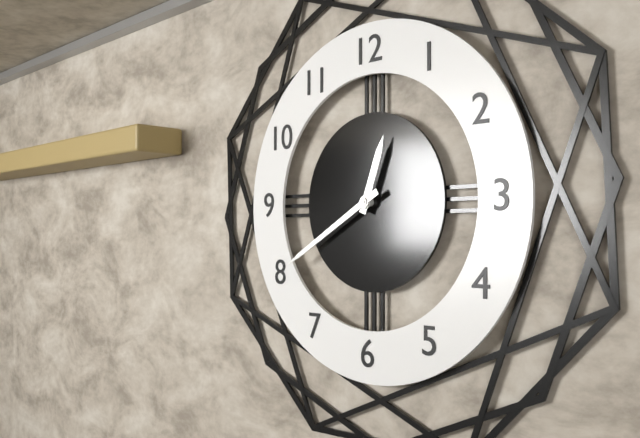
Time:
12.40
